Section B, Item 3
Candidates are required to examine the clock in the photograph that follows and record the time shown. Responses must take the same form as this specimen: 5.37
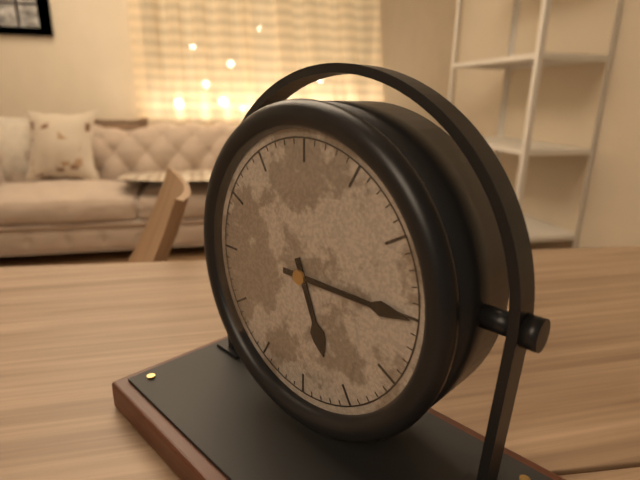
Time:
5.15
